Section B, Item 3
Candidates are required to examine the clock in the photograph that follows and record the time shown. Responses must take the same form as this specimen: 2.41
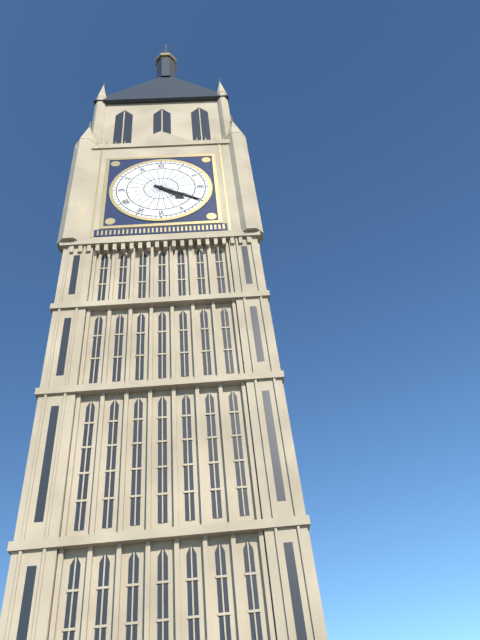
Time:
4.20
